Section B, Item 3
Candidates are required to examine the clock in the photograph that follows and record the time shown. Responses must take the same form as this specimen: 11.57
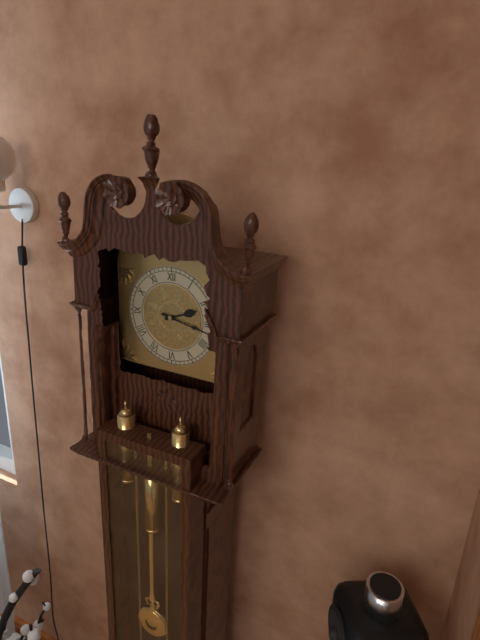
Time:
2.17
